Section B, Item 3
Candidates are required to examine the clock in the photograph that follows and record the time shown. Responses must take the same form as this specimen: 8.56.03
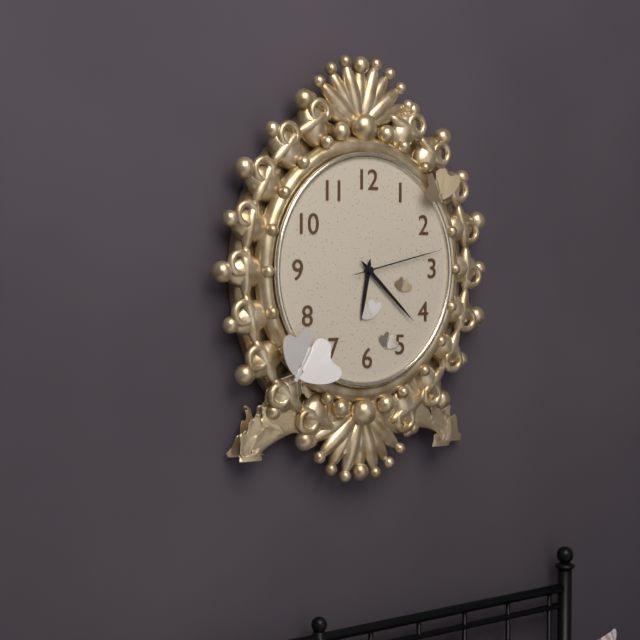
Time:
6.22.13
